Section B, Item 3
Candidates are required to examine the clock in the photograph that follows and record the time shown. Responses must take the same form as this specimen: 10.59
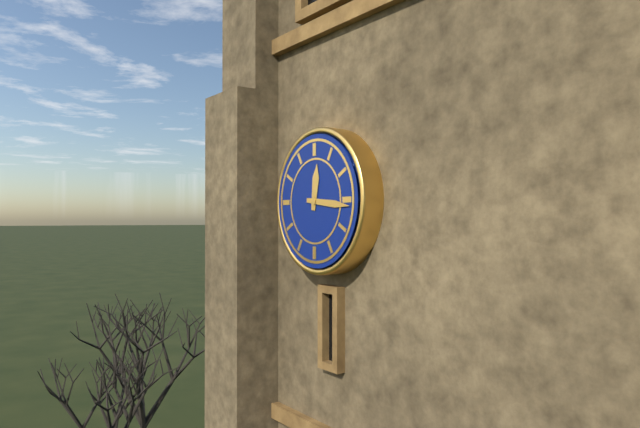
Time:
12.16
